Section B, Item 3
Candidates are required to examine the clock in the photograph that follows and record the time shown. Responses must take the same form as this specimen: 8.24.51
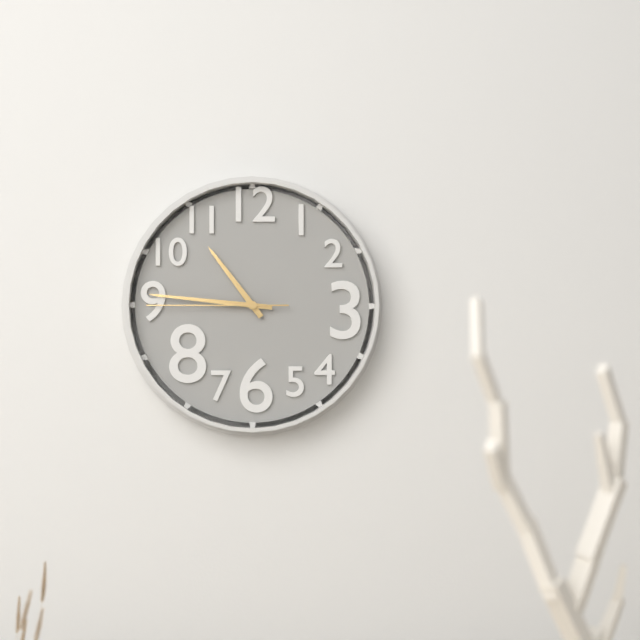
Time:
10.46.45
